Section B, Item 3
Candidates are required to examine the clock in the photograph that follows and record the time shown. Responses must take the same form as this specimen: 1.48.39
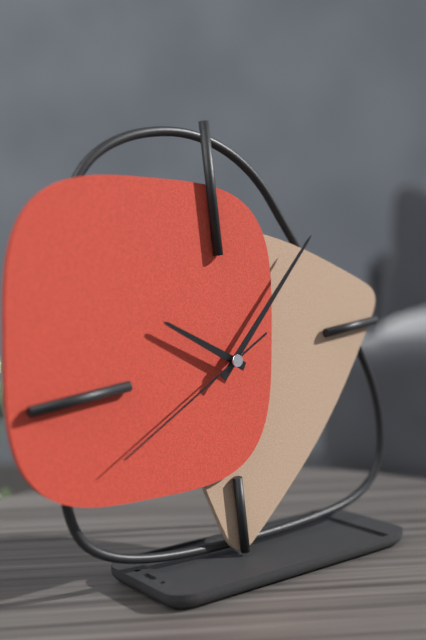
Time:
10.08.41
